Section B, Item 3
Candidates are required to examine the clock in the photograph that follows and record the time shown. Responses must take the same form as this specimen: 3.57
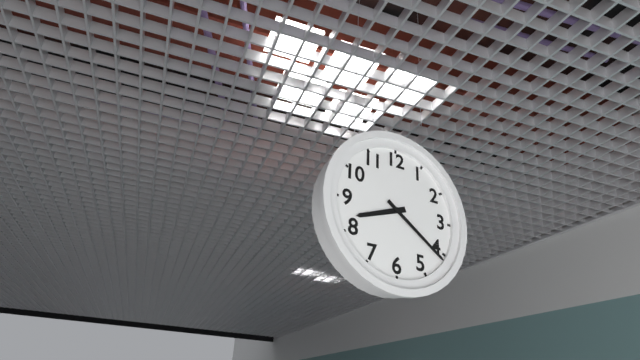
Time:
8.21
